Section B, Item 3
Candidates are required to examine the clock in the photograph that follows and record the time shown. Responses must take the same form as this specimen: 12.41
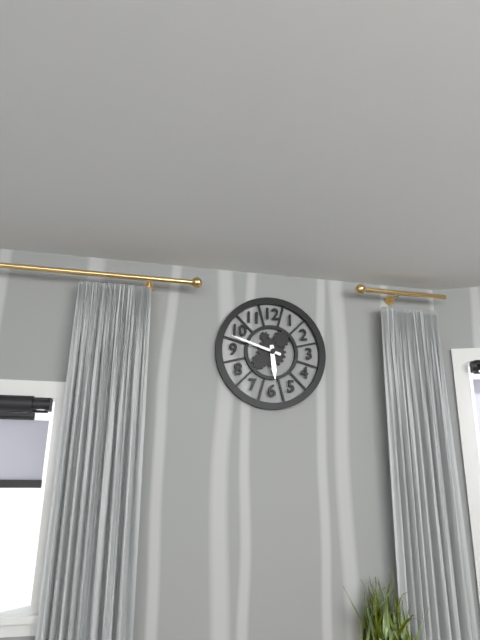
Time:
5.48
